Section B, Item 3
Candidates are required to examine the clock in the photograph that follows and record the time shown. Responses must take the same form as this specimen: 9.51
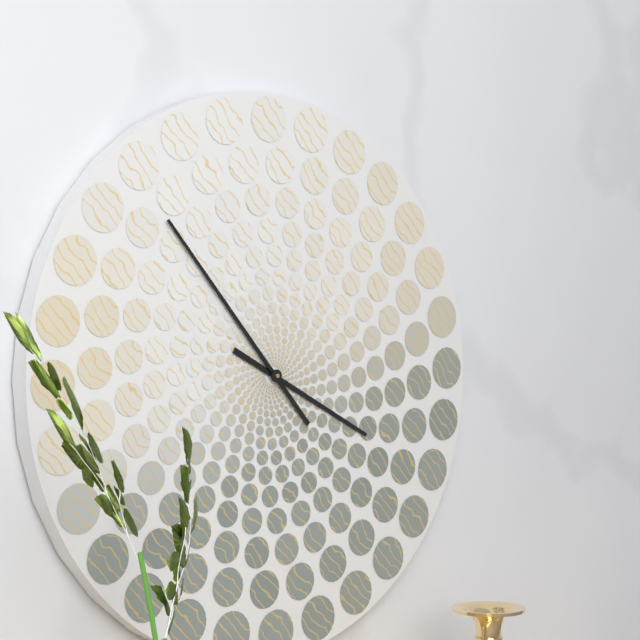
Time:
3.53
